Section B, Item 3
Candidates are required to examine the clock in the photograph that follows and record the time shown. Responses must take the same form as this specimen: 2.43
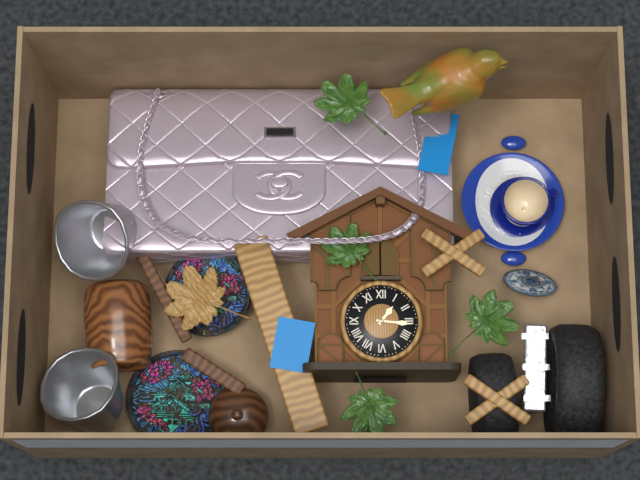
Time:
1.16
